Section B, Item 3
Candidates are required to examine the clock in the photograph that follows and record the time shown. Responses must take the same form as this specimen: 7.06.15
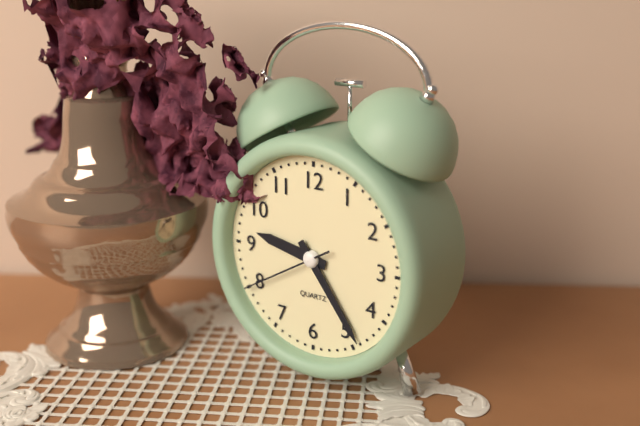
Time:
9.24.40
